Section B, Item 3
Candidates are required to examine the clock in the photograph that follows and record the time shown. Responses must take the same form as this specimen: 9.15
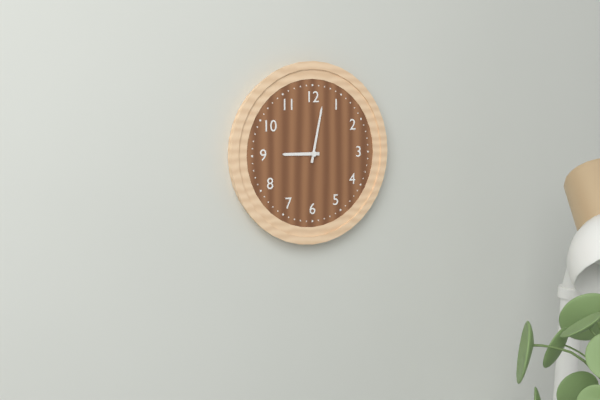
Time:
9.02
